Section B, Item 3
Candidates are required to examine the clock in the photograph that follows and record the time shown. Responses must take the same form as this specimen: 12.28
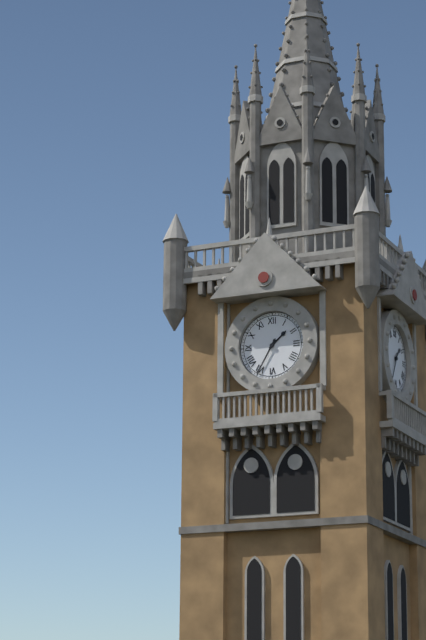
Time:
1.35
